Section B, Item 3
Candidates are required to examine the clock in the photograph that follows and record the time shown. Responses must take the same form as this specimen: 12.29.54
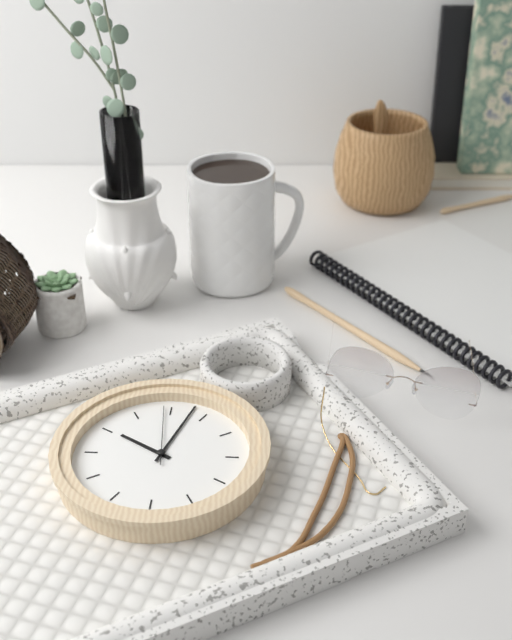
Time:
10.03.59
